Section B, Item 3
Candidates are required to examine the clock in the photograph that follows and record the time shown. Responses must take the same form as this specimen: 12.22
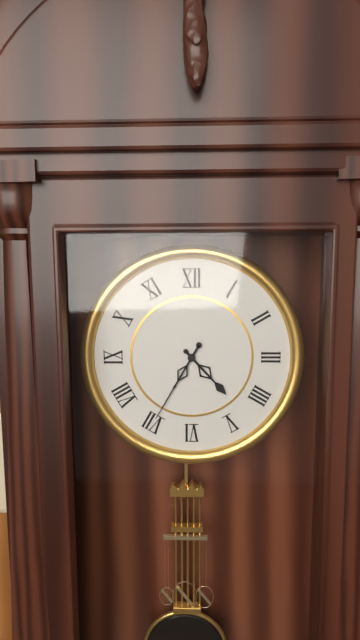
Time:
4.35
